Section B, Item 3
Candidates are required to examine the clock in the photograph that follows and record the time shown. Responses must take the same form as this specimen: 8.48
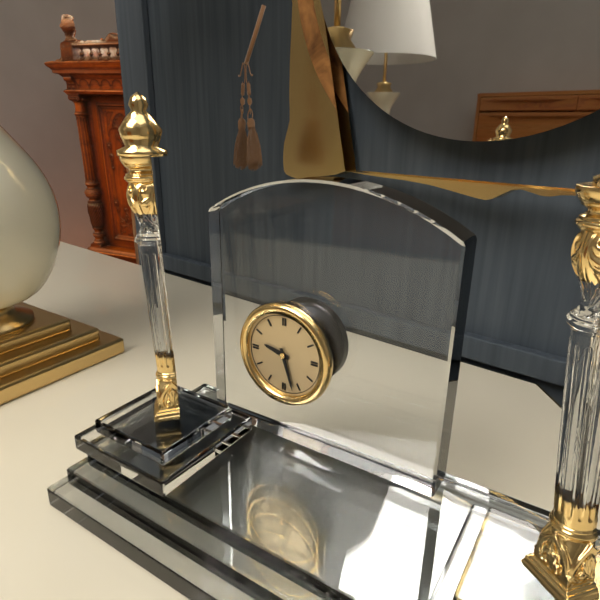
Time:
9.27
